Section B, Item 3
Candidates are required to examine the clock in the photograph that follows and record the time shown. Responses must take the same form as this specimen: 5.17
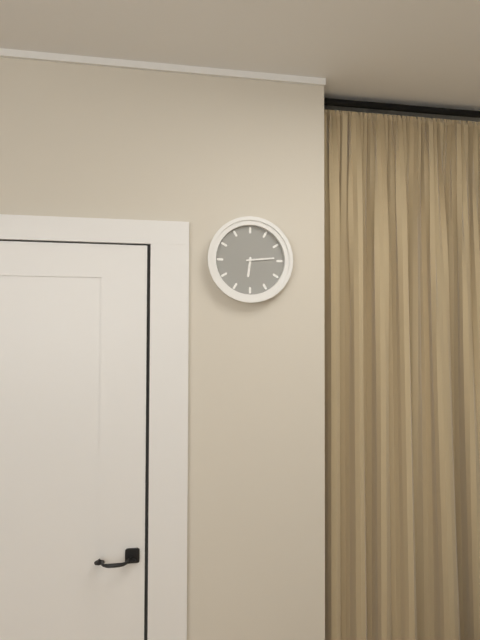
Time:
6.14
